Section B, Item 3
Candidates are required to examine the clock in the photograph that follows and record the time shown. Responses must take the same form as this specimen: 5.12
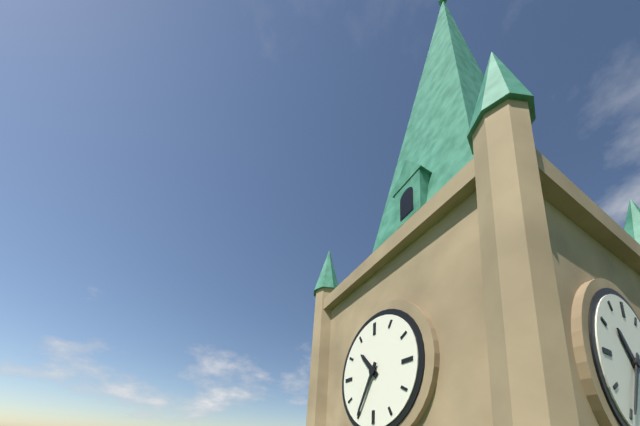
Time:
10.35
